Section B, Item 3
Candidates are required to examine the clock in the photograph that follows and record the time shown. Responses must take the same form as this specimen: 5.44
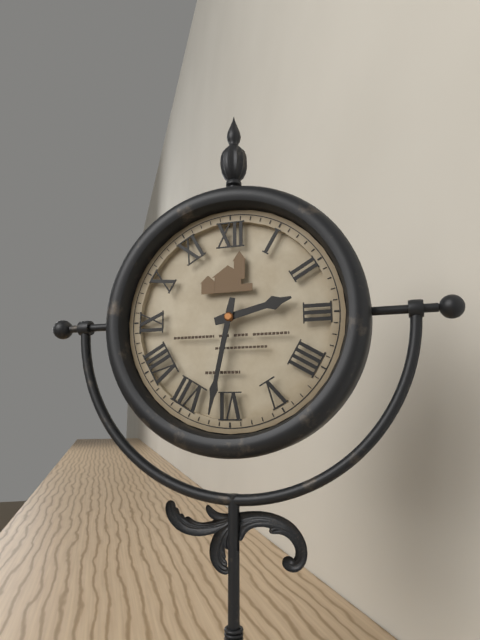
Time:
2.32
